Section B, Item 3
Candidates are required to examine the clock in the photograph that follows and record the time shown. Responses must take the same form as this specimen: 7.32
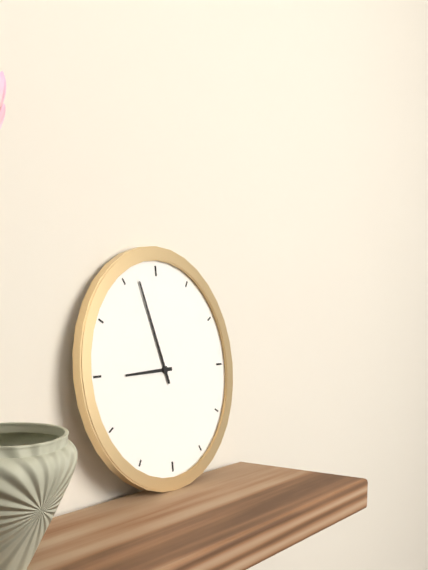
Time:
8.57
